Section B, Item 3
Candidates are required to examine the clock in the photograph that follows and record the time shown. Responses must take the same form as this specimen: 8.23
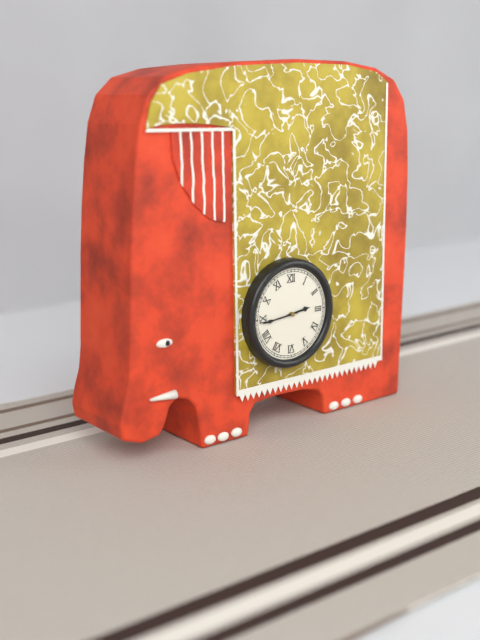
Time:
2.44
